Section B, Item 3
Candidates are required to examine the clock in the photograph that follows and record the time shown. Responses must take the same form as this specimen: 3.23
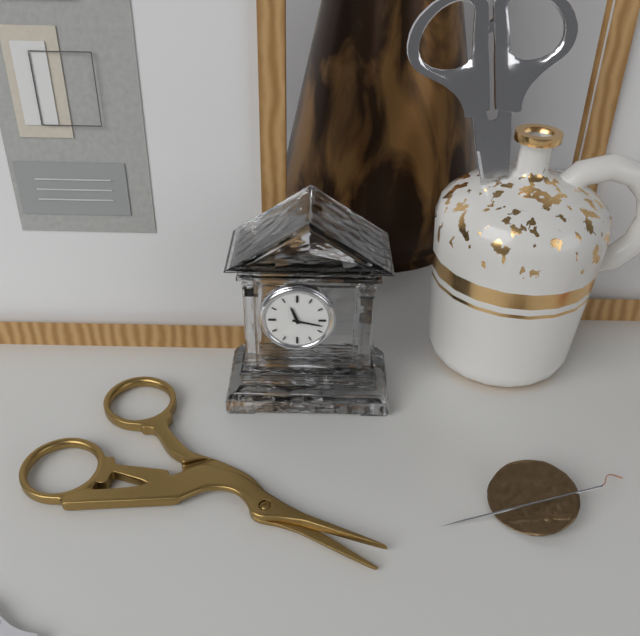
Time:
11.17
